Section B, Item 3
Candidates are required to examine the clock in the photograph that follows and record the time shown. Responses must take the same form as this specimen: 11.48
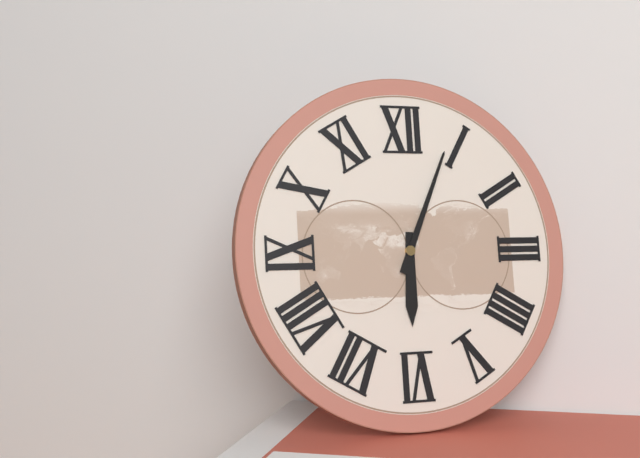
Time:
6.04
